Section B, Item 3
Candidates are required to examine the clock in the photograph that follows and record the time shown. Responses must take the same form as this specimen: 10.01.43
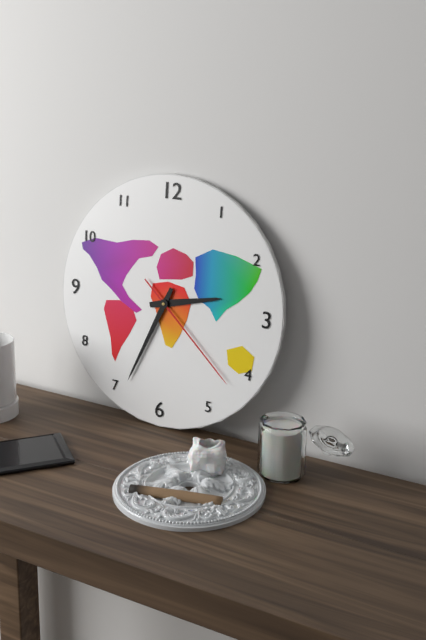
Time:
2.34.22
